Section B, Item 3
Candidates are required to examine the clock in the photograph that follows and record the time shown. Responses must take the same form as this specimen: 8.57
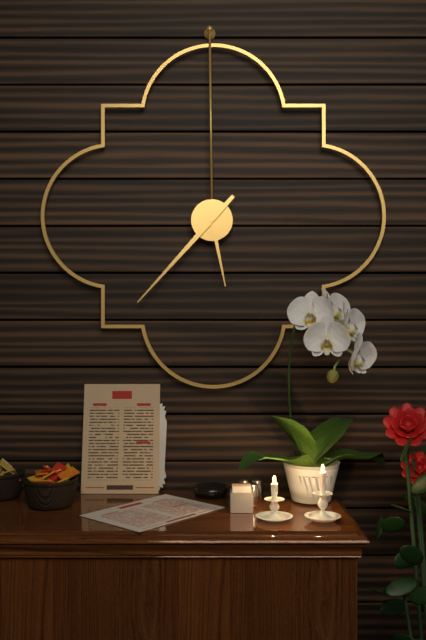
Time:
5.37
